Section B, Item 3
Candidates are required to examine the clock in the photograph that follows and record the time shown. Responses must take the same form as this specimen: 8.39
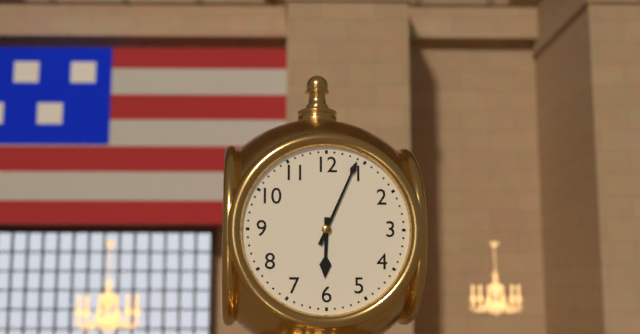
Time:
6.04
